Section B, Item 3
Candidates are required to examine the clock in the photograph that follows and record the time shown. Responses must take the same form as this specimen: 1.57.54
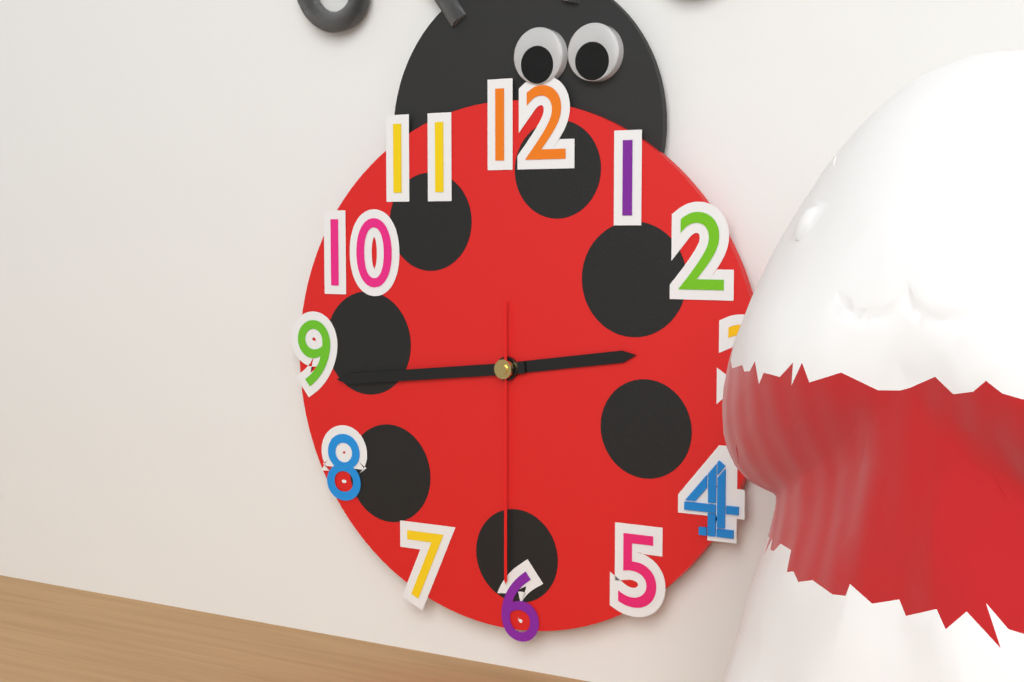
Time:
2.44.30
